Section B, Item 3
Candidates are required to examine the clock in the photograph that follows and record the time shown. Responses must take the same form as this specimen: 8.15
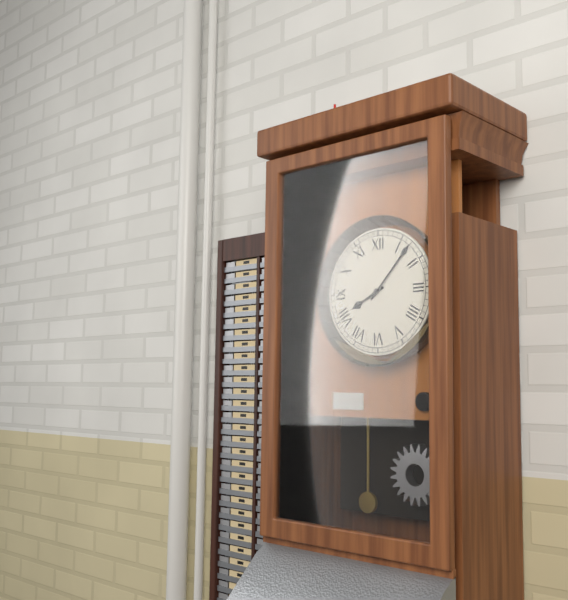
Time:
8.07
